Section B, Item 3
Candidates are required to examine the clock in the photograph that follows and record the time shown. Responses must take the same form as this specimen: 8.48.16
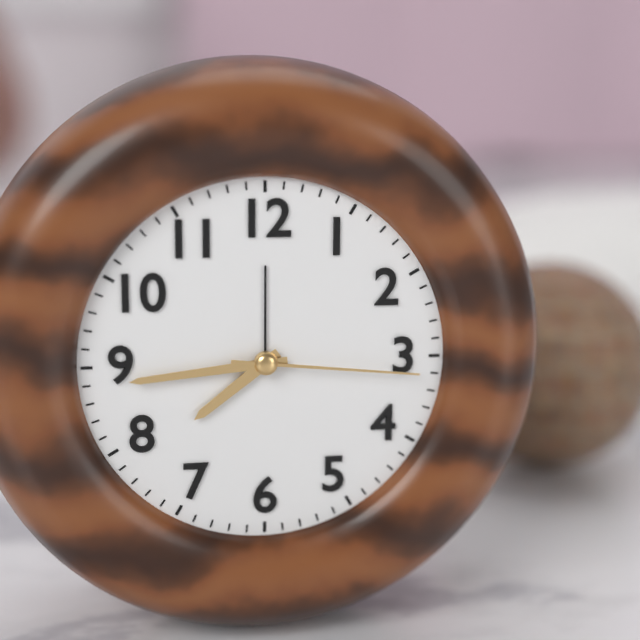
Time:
7.44.16
